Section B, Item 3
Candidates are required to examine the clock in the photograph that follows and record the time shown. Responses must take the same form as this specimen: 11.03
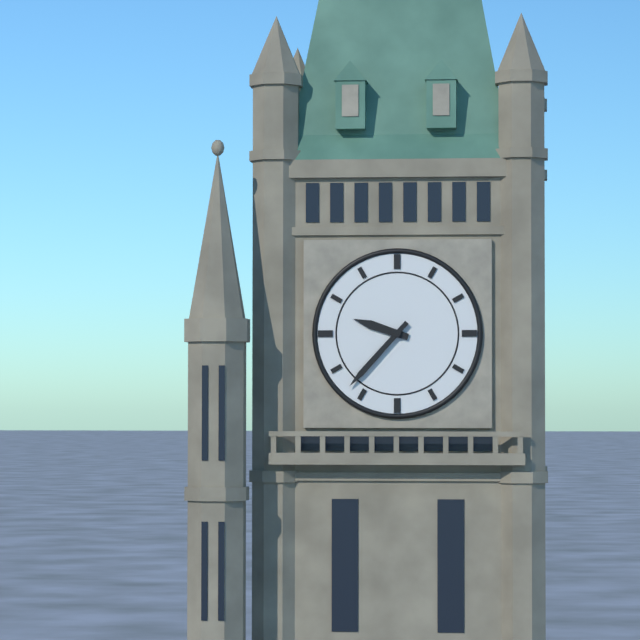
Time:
9.37
